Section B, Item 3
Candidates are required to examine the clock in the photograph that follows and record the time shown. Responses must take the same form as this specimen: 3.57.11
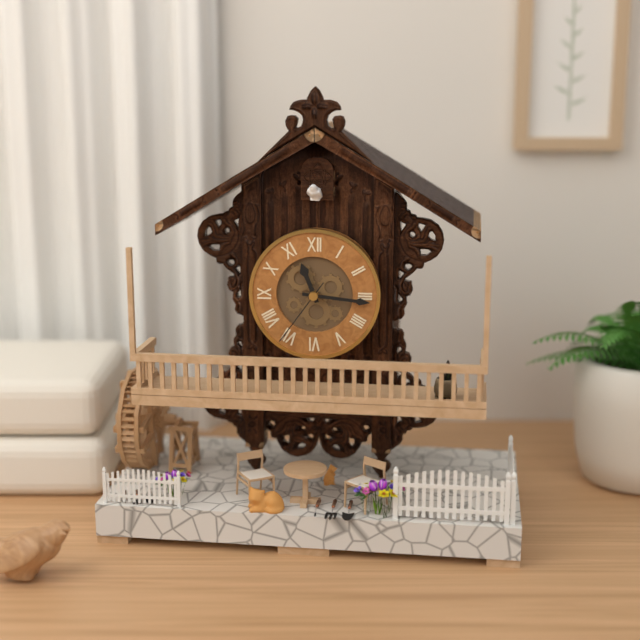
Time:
11.16.36
